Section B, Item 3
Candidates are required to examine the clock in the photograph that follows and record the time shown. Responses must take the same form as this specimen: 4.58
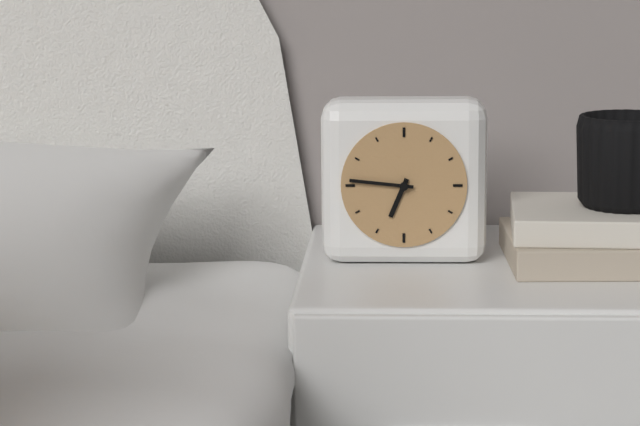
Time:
6.46
